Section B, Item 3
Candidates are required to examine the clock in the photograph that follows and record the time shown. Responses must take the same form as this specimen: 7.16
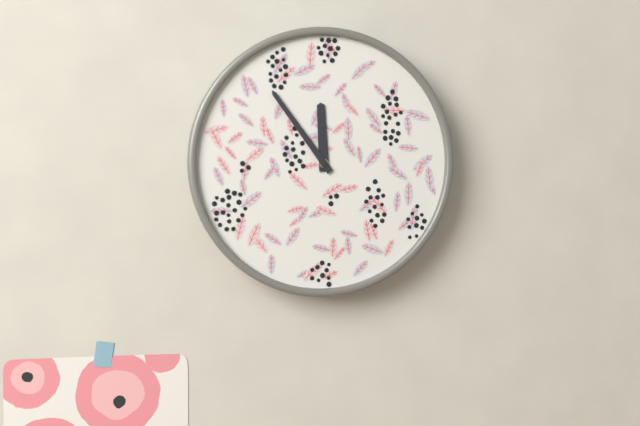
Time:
11.54
